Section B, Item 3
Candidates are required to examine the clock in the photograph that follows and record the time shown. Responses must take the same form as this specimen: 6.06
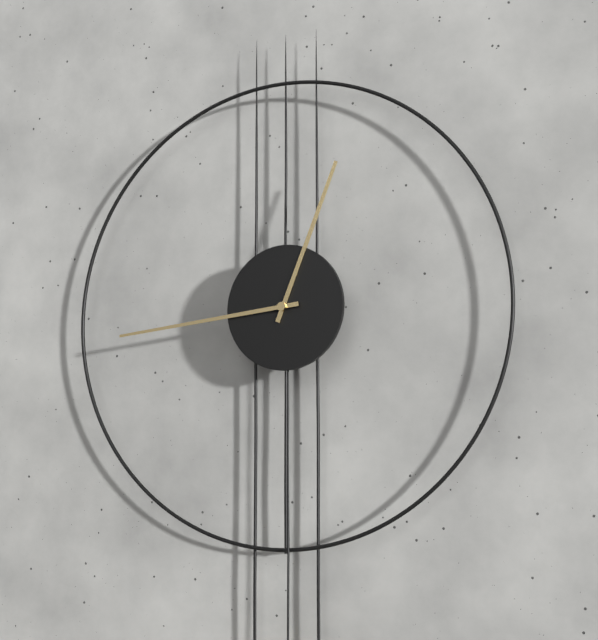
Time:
12.44
